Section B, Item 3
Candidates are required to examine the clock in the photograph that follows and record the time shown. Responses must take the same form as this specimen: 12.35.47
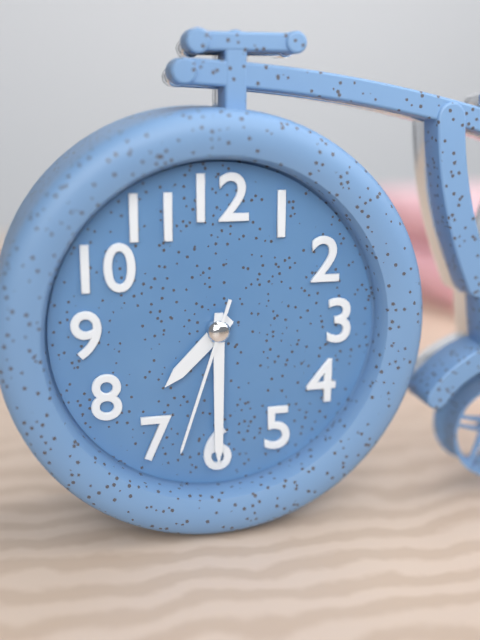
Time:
7.30.33
